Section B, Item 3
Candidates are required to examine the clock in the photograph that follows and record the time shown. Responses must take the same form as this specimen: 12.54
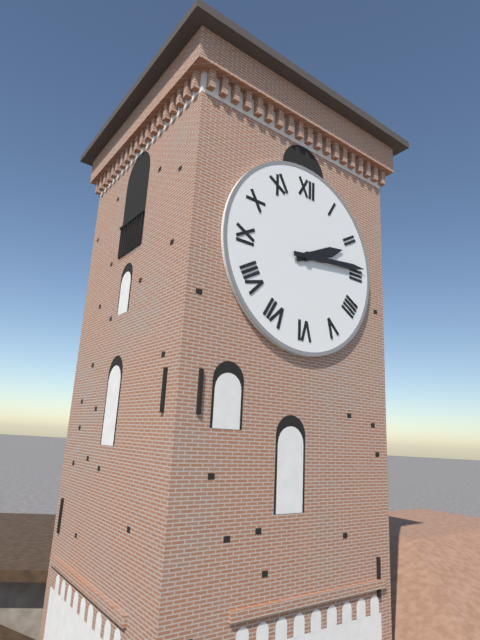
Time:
2.14
